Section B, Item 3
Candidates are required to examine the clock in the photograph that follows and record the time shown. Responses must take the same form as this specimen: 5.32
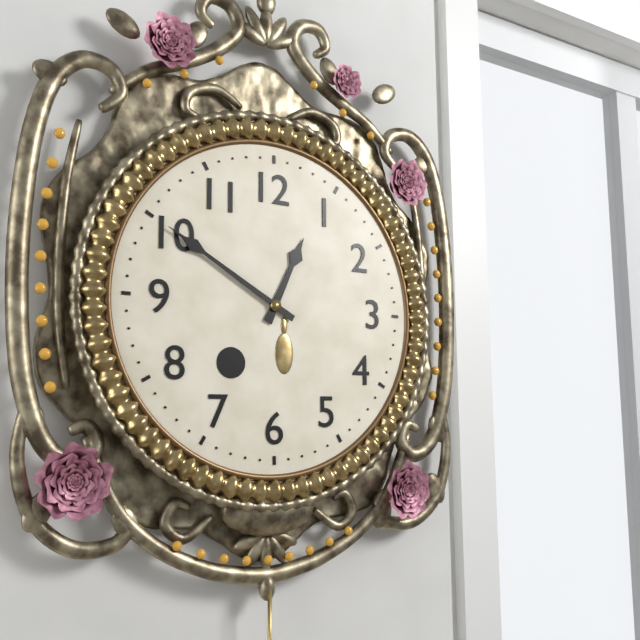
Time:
12.50
